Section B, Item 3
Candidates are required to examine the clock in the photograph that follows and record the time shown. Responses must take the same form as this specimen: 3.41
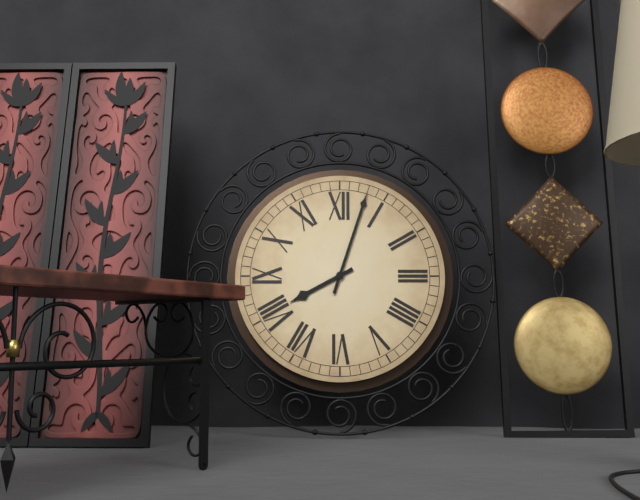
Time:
8.03
